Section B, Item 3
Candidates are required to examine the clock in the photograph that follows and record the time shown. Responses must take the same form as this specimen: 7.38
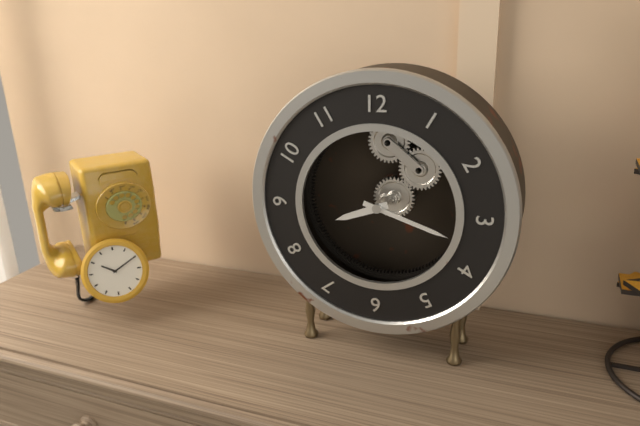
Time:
8.18
